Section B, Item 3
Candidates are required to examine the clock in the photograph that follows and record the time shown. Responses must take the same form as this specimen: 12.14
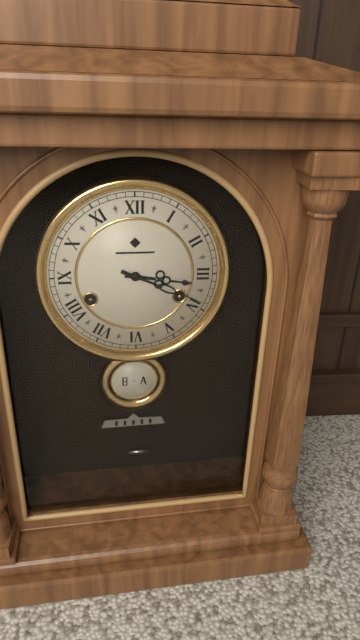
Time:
3.19
